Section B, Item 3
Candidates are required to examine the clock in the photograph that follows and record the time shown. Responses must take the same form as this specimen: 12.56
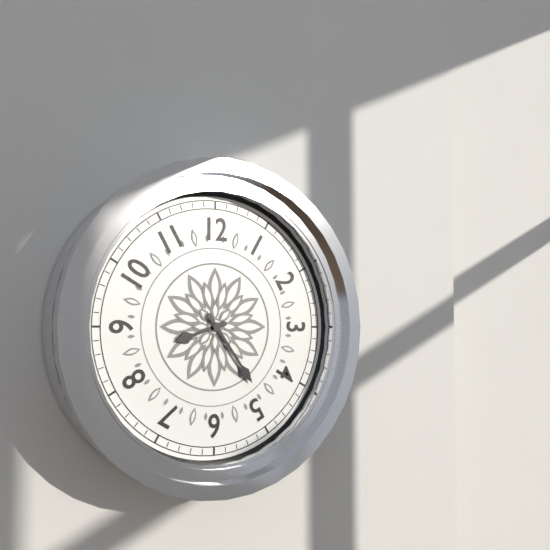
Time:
8.24
